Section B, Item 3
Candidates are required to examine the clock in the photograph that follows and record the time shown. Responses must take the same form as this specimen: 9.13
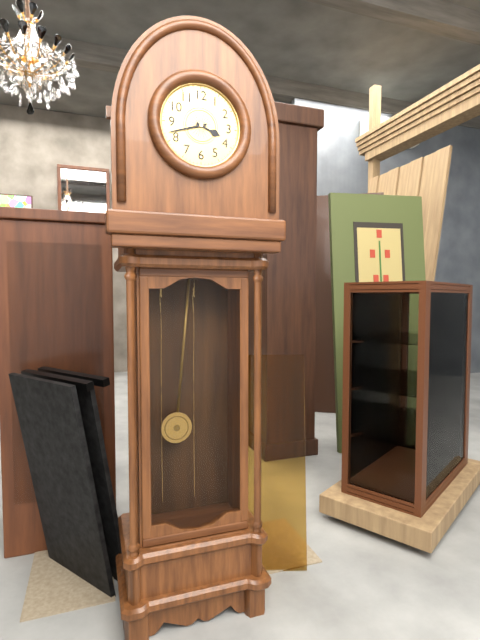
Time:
3.42
